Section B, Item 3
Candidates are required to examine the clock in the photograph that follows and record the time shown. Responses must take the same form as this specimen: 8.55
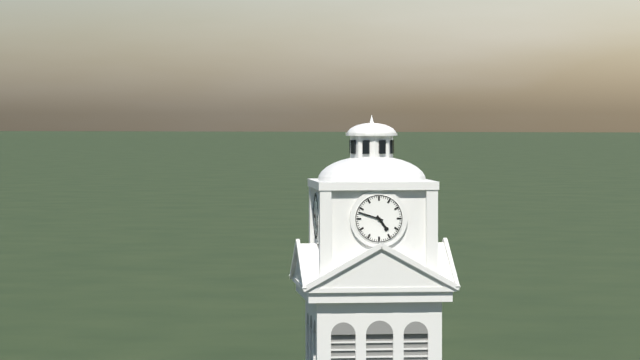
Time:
4.48
